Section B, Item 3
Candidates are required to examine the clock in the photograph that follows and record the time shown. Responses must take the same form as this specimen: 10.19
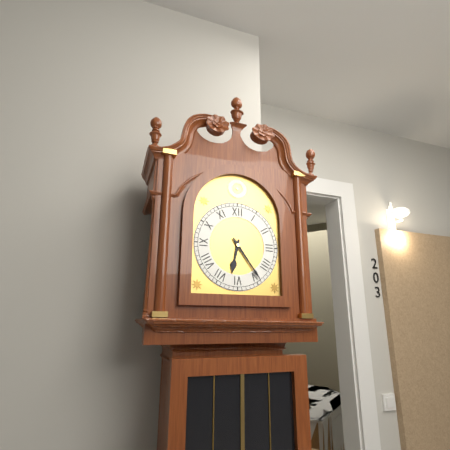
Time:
6.24
